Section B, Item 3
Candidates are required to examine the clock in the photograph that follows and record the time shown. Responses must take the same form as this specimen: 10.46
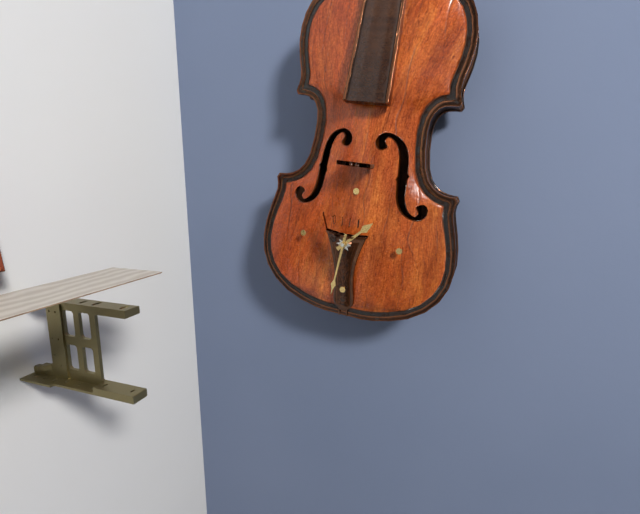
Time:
1.31
